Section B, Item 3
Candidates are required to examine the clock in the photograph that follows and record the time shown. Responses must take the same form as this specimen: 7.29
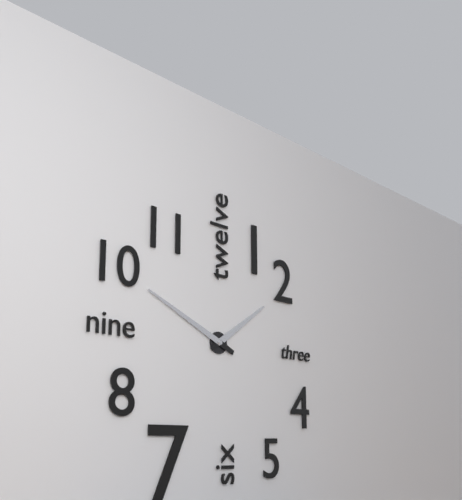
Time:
1.49
